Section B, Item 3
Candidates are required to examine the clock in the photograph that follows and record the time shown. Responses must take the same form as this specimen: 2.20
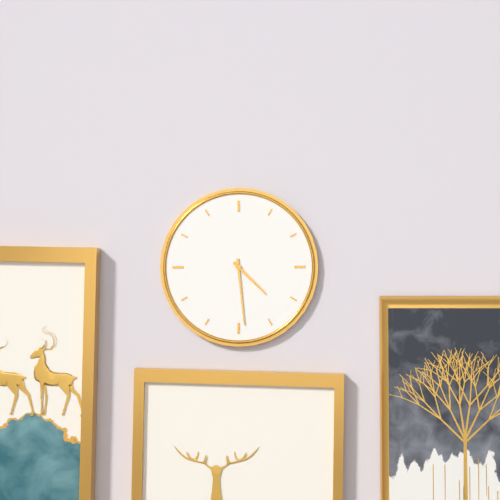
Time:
4.29
